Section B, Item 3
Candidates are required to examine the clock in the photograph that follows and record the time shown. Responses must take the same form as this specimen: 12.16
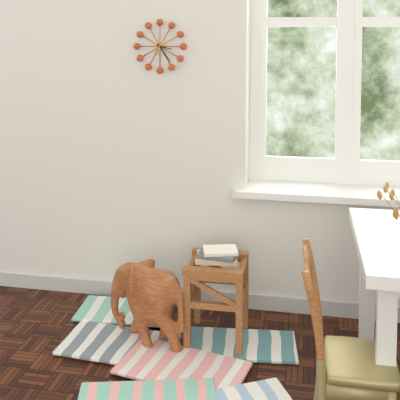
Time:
3.24
